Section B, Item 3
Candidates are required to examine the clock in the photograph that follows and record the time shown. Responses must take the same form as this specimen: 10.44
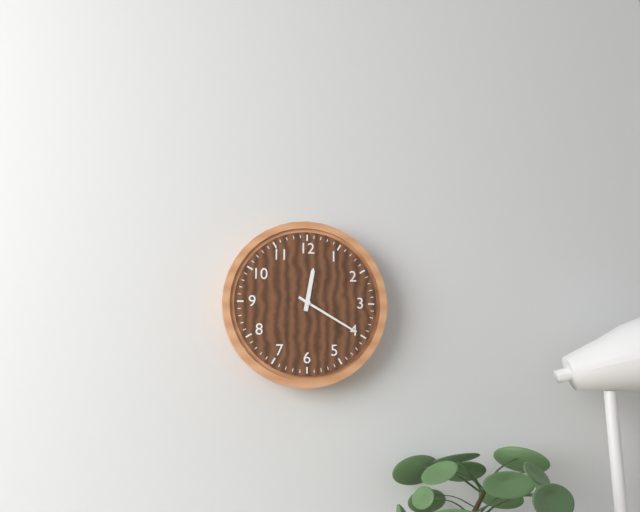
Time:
12.20
